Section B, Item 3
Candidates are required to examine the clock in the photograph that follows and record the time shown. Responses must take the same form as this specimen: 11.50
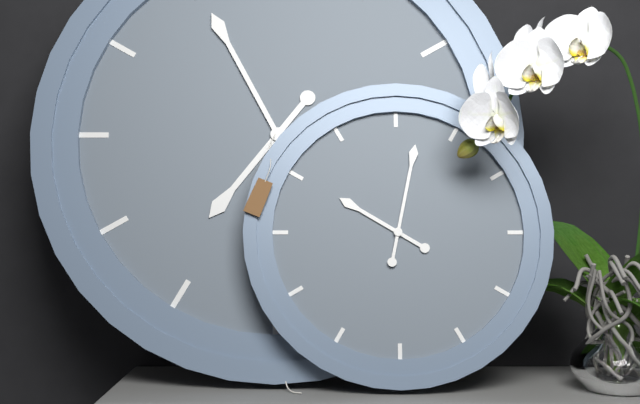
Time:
10.02
